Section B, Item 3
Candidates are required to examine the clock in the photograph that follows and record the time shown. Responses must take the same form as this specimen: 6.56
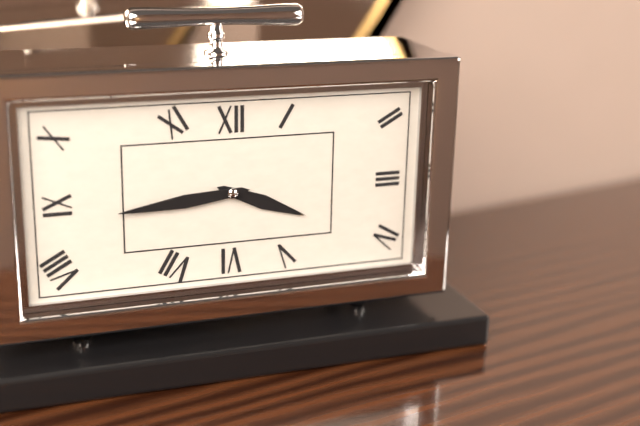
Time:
3.44
